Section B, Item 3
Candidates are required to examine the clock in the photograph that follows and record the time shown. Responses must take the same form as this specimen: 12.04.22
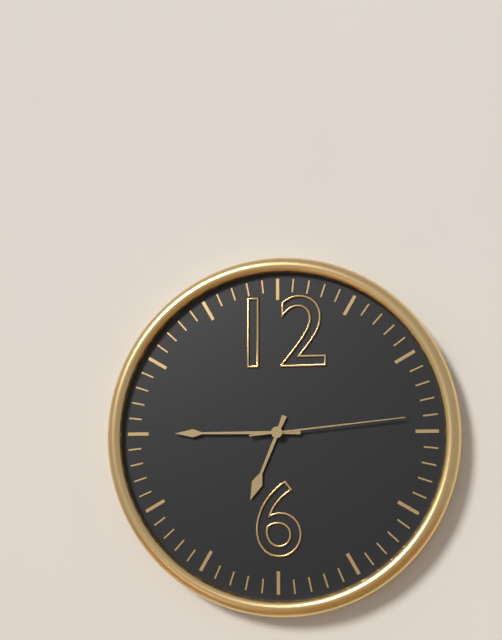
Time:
6.45.14
